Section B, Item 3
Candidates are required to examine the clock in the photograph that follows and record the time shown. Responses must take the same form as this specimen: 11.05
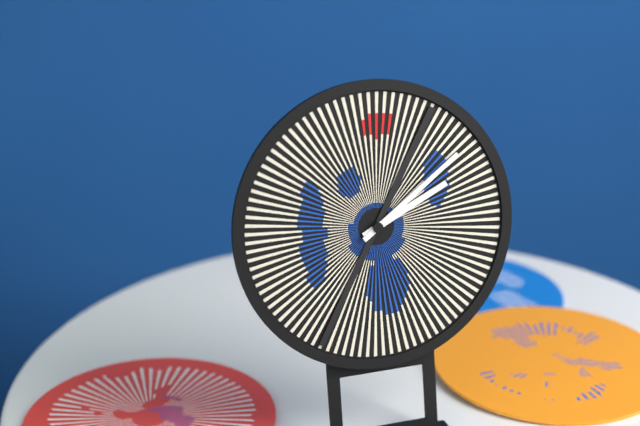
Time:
2.09
